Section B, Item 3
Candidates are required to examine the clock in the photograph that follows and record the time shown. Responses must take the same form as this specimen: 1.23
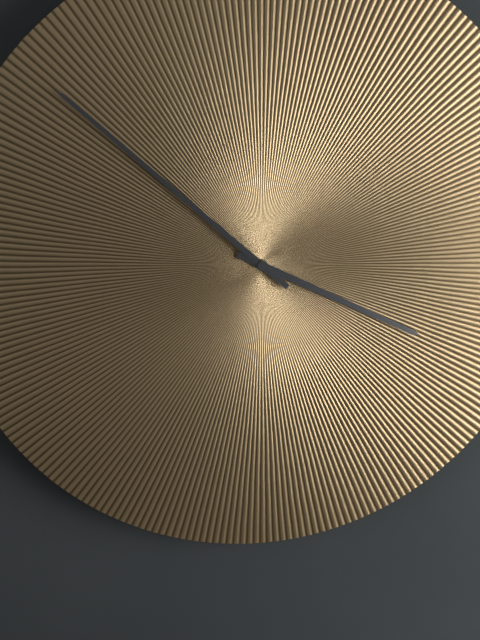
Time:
3.52
